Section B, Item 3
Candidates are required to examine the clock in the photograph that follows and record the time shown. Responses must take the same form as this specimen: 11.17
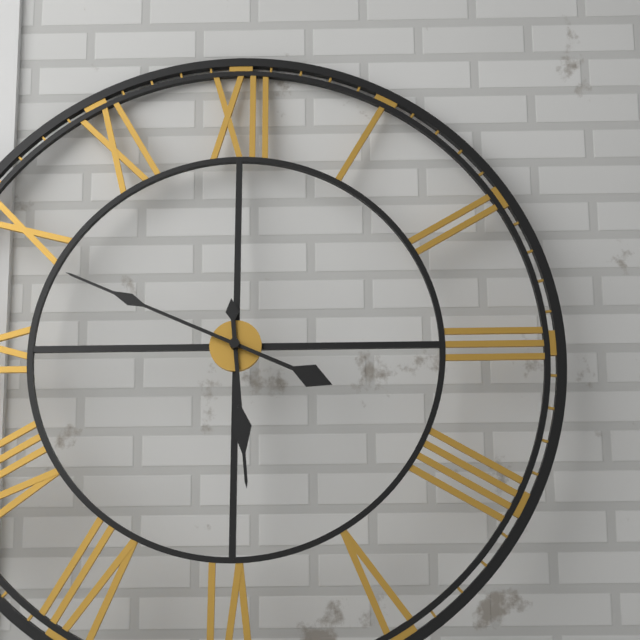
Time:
5.49
